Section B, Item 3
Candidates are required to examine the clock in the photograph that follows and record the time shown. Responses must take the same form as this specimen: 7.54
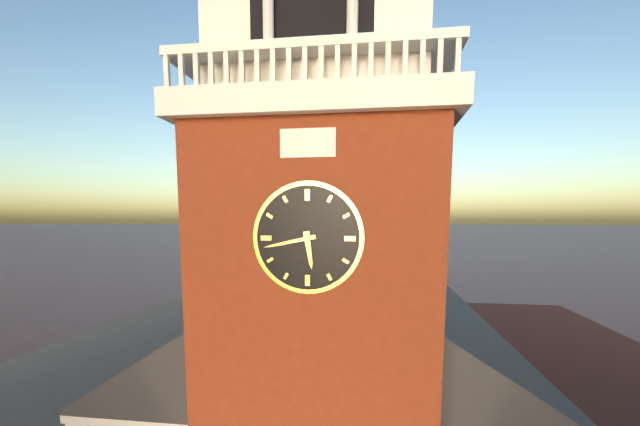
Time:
5.43
